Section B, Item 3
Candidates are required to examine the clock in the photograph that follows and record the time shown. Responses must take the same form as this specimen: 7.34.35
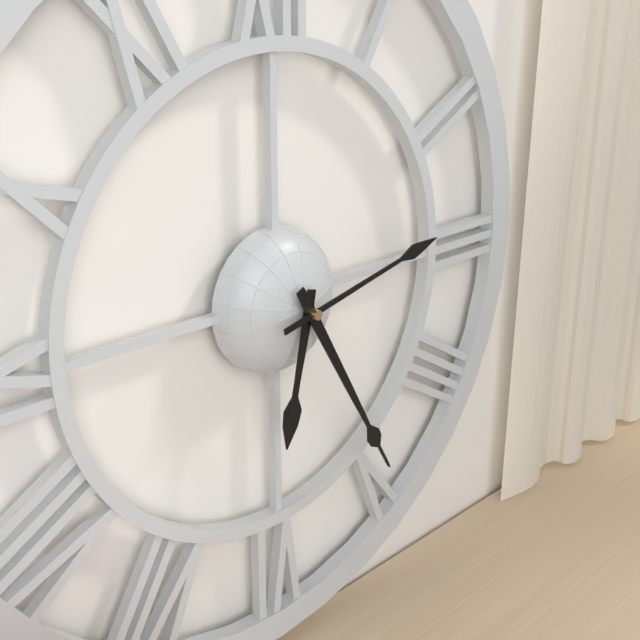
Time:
6.25.13
